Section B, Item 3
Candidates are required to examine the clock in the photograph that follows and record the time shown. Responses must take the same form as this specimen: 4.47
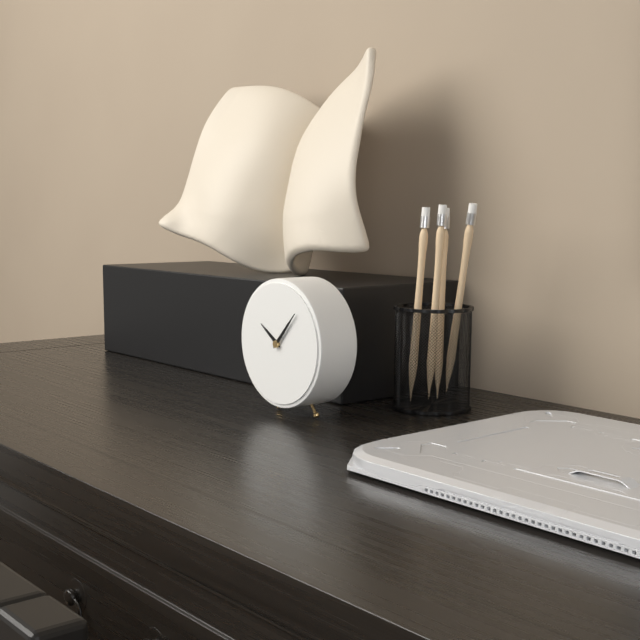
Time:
10.07
